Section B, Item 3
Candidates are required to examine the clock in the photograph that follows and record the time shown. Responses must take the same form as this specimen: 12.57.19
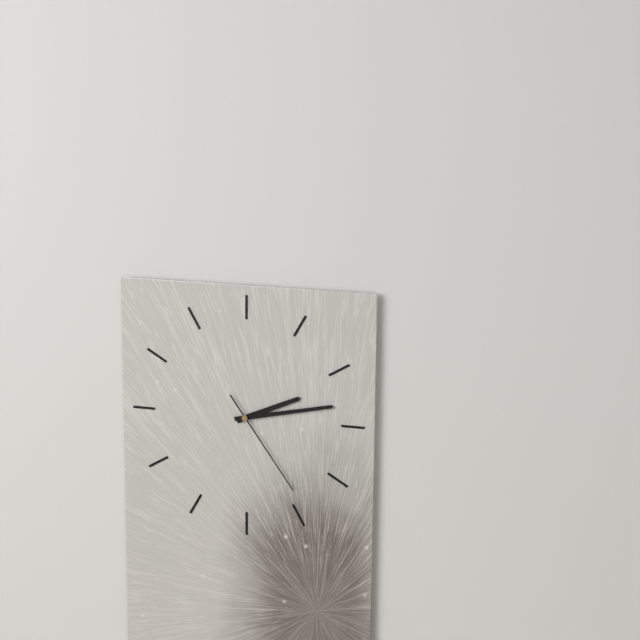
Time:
2.13.24
